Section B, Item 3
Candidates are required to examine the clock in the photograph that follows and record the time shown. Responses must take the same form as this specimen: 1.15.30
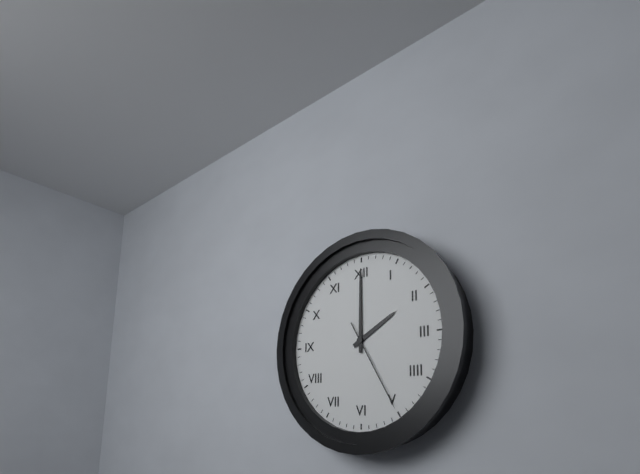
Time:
2.00.25
